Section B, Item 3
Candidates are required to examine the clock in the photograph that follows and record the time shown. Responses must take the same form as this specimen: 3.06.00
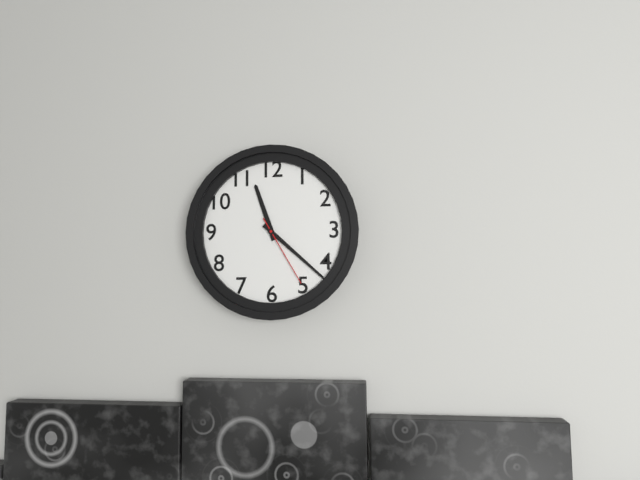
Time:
11.22.25
